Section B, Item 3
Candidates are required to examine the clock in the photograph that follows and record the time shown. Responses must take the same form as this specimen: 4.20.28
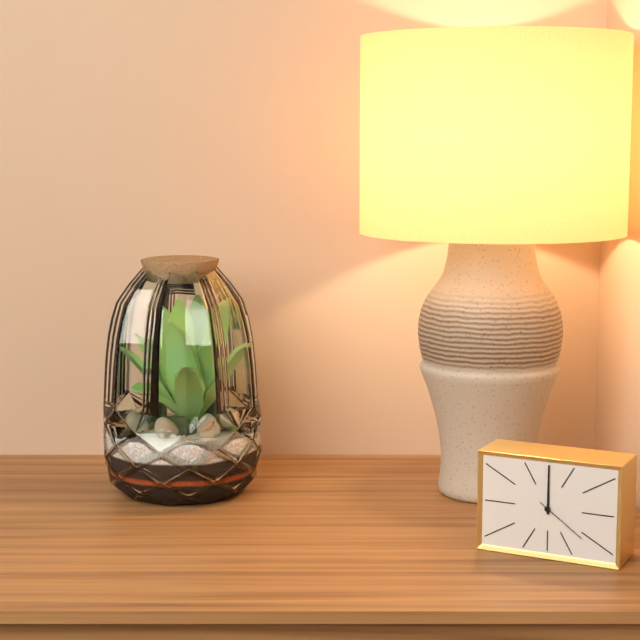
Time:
12.00.21
